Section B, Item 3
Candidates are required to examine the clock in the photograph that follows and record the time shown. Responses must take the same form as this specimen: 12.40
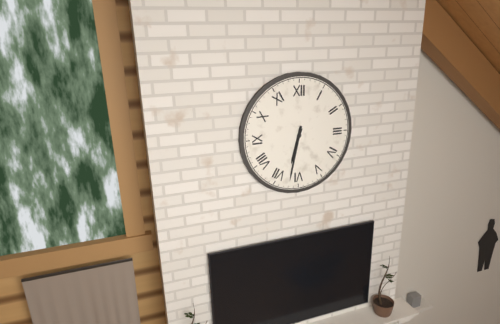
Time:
6.32
